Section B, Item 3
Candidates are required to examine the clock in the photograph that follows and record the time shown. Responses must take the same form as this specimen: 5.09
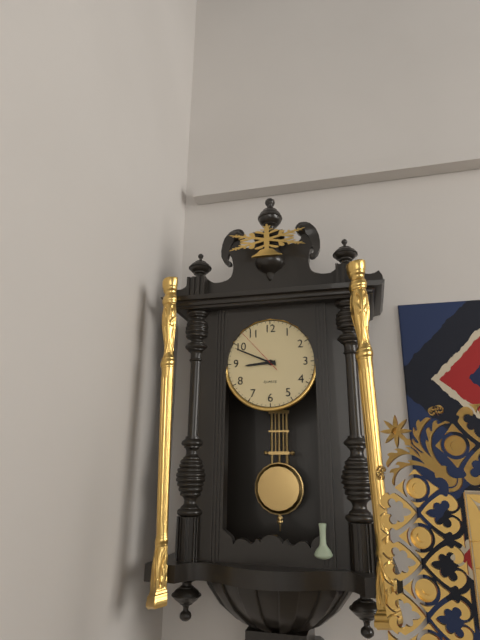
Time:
8.49
